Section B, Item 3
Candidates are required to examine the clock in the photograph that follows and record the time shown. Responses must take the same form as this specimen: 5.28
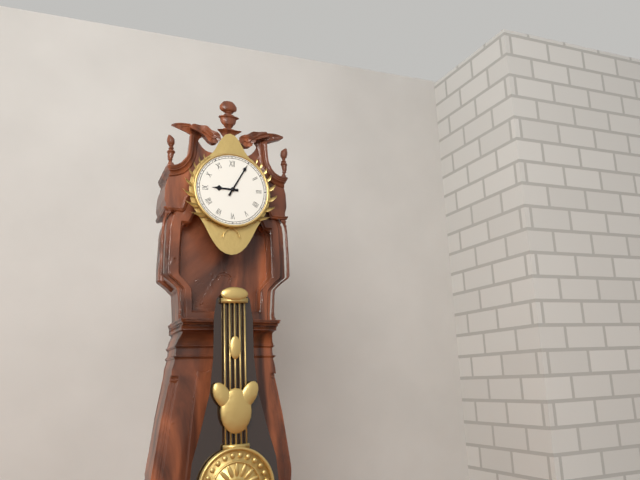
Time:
9.05
